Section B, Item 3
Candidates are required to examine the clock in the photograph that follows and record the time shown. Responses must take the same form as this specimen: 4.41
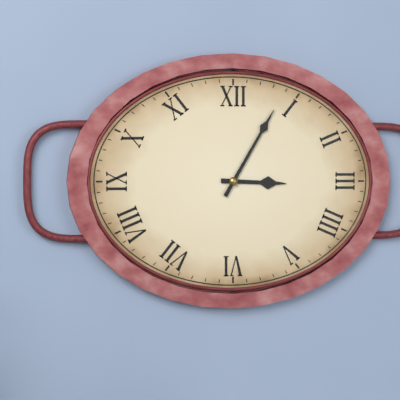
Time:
3.05
